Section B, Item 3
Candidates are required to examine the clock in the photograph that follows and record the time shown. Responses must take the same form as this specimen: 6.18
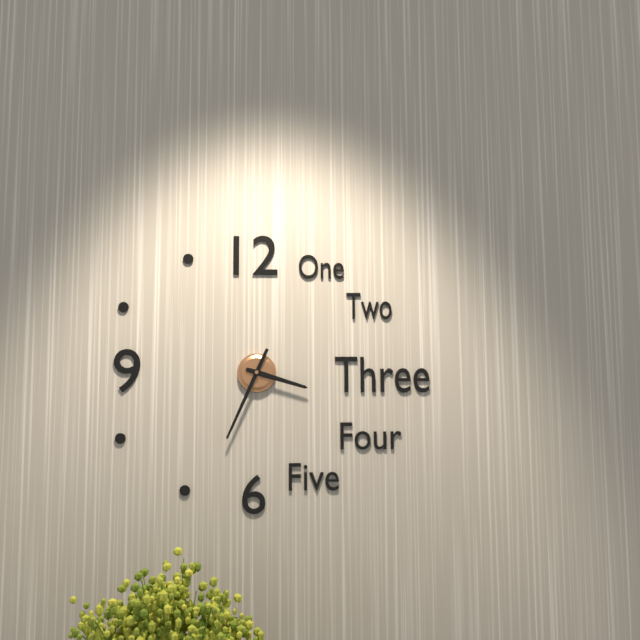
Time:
3.34
